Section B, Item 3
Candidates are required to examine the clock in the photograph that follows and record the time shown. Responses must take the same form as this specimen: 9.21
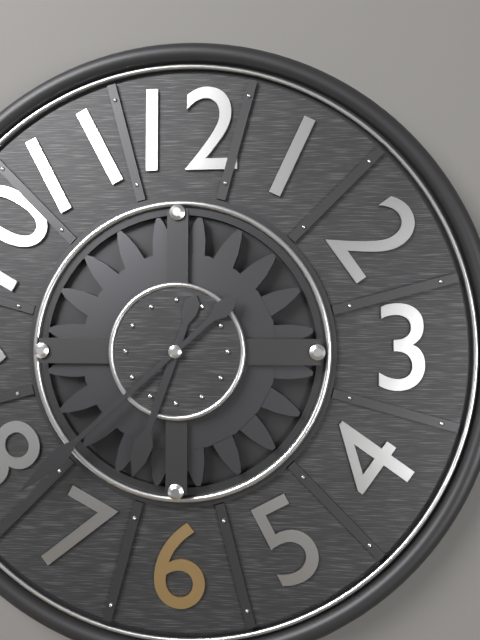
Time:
6.38
